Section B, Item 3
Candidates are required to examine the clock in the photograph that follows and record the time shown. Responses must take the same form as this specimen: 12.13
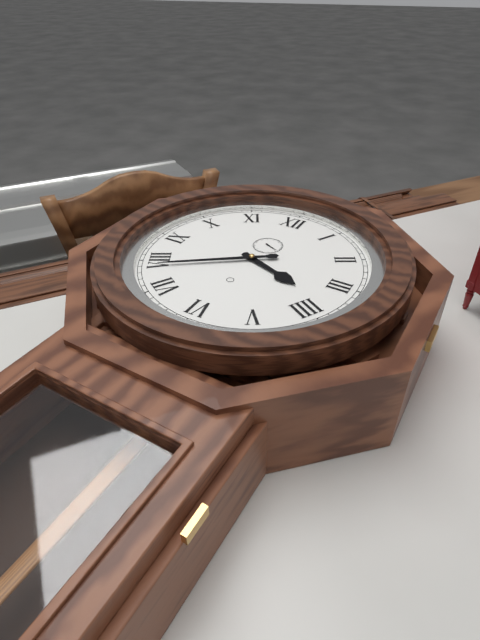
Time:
3.39
